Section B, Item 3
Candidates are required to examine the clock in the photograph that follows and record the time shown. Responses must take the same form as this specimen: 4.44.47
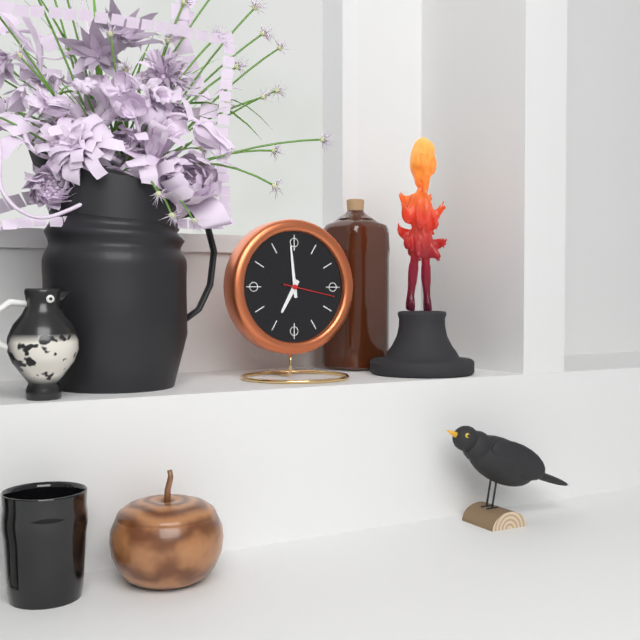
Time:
6.59.17
